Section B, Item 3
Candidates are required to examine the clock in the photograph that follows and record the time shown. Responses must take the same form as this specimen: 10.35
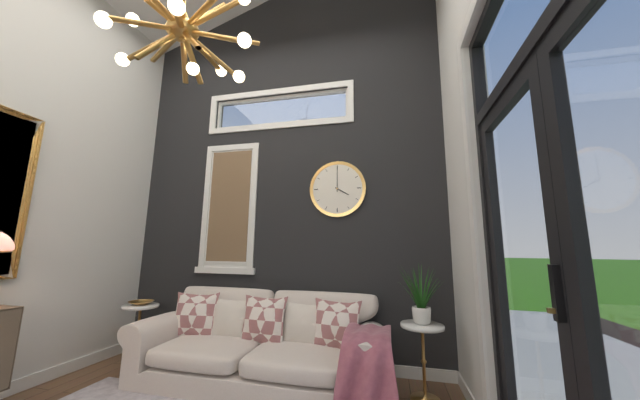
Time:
4.00
